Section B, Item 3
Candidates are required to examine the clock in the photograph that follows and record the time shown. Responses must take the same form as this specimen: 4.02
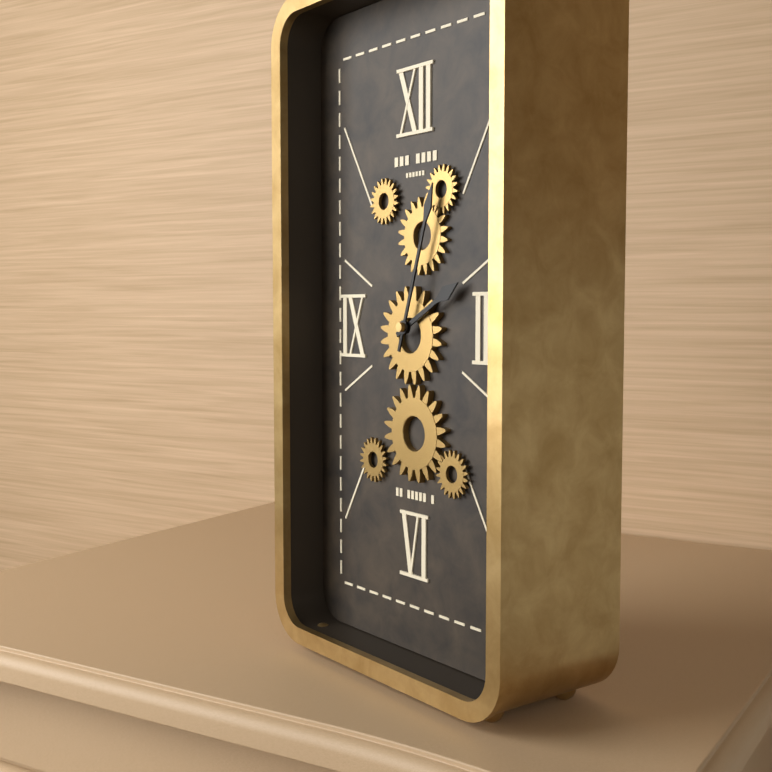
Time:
2.03
